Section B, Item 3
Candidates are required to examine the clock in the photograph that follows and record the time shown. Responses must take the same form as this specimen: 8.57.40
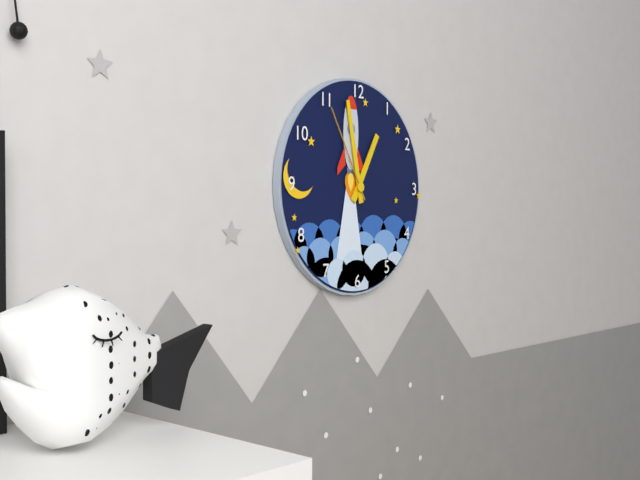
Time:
12.58.55
